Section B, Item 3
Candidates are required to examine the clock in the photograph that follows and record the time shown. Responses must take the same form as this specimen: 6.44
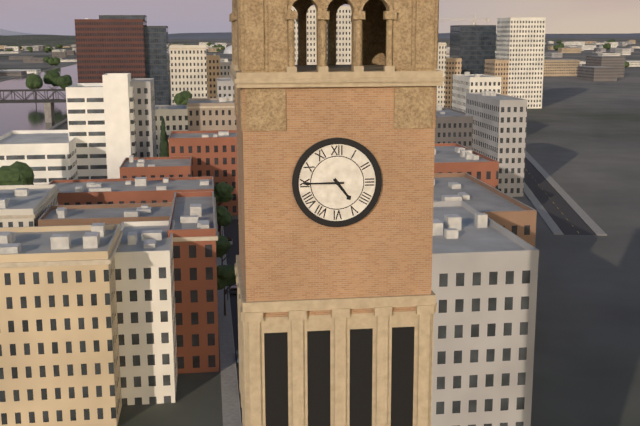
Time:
4.45
